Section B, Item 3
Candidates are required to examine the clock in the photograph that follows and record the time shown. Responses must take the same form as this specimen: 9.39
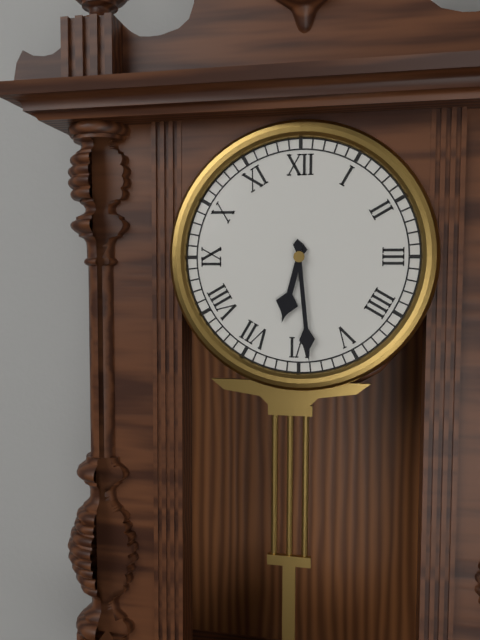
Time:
6.29
